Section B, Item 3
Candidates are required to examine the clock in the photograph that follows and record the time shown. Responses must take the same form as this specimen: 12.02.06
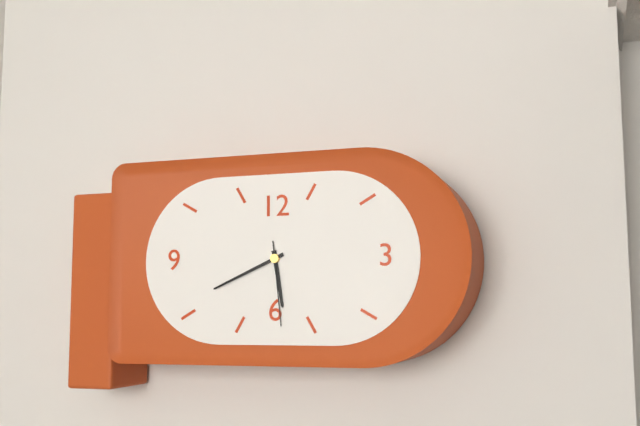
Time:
5.41.29
